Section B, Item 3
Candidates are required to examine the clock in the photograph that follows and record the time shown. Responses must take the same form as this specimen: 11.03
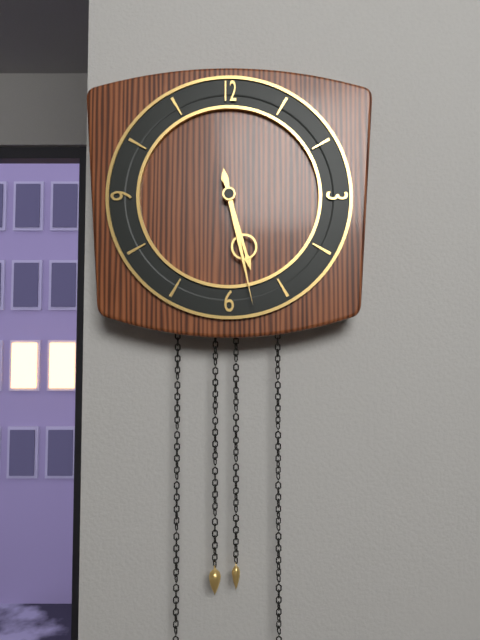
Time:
5.28
